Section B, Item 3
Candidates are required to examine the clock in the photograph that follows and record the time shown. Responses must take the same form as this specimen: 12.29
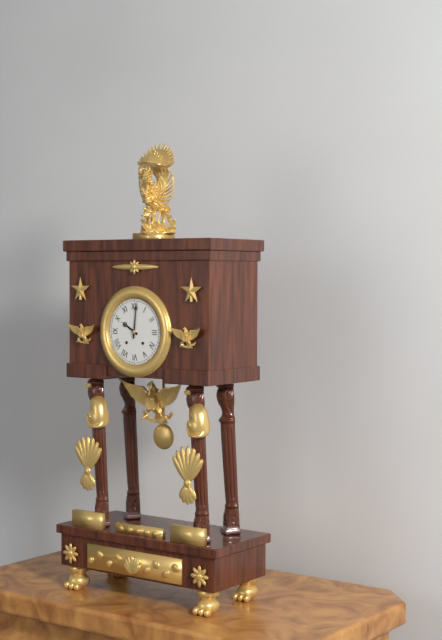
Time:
10.01
